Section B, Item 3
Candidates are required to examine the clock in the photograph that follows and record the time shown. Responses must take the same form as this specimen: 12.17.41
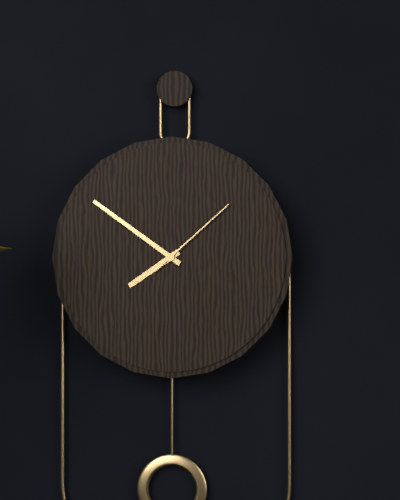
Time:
7.51.08
